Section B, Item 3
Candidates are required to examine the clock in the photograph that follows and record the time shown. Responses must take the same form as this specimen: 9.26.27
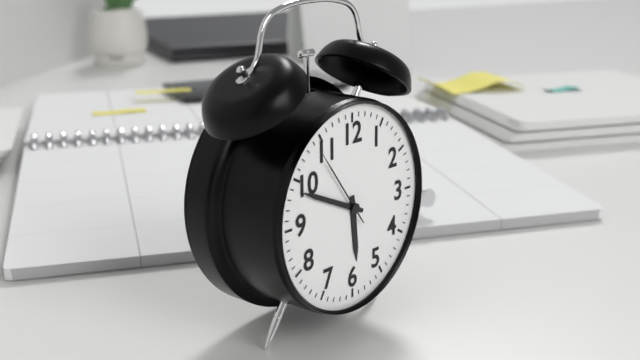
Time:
5.49.54
